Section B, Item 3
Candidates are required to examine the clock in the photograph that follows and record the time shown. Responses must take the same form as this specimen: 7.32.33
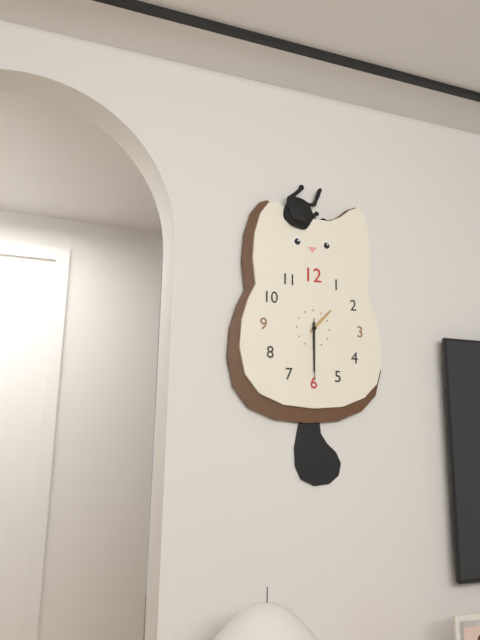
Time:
1.30.30
